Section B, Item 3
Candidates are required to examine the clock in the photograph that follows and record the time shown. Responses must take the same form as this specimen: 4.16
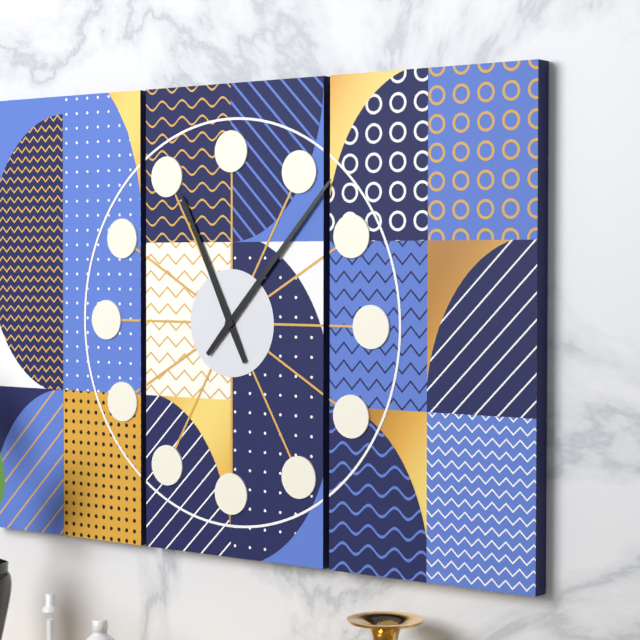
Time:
11.07
